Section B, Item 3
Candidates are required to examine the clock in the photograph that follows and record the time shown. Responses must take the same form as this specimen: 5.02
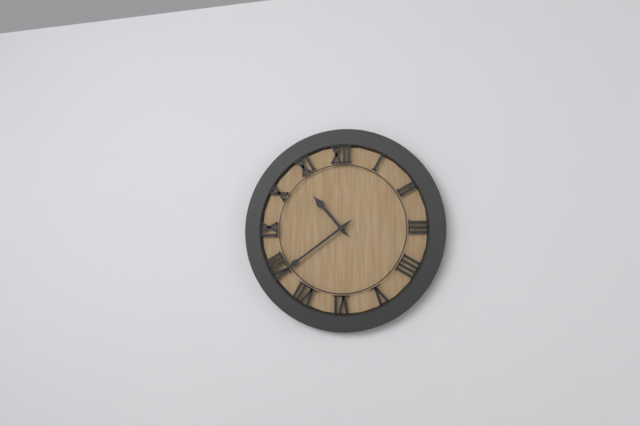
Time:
10.39
